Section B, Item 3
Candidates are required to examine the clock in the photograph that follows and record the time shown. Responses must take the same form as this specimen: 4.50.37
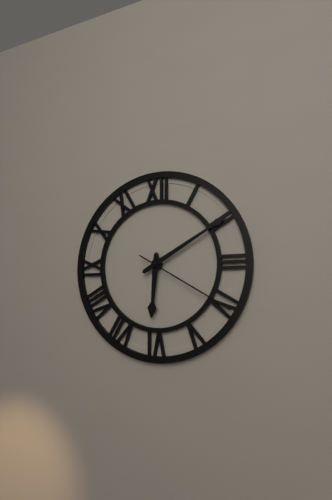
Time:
6.10.20
